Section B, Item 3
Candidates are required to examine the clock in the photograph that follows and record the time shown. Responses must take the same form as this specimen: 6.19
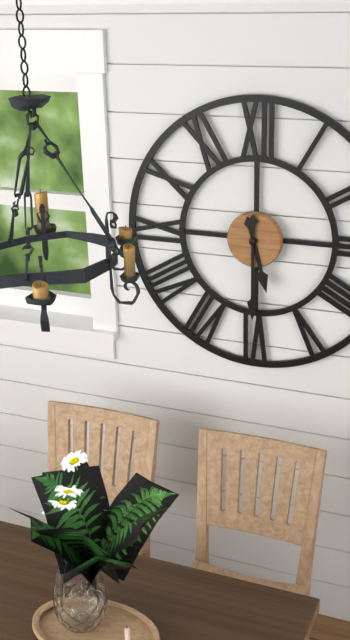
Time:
5.30
